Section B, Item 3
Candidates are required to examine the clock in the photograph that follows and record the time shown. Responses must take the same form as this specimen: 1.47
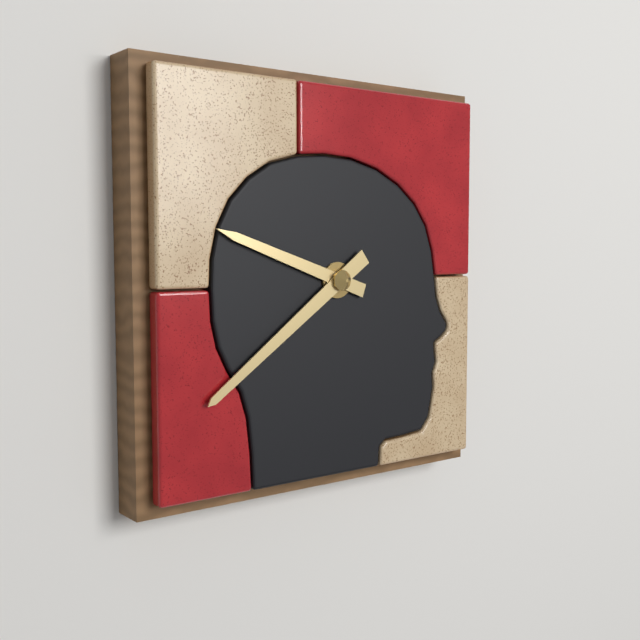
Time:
9.39
